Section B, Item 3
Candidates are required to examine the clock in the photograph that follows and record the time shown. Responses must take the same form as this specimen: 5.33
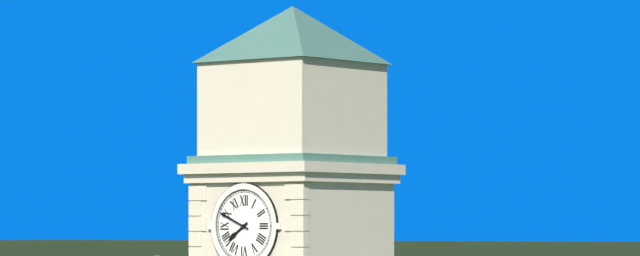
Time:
7.49
